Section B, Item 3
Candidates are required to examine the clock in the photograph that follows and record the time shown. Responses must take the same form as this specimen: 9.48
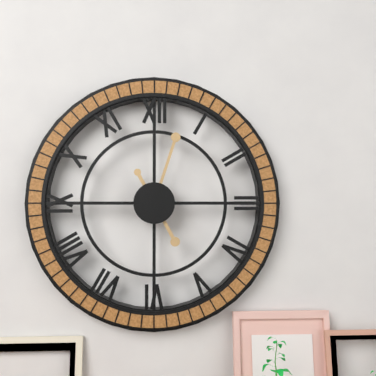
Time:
5.03
